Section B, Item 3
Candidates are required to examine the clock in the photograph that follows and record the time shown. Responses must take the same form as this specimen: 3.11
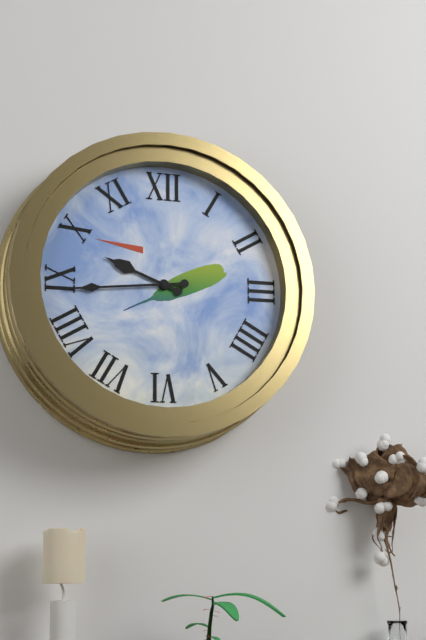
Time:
9.44
